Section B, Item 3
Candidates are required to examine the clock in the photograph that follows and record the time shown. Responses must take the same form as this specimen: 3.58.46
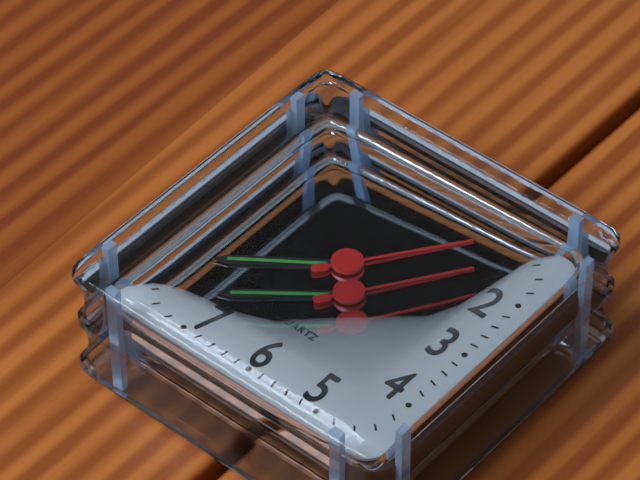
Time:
8.39.06
